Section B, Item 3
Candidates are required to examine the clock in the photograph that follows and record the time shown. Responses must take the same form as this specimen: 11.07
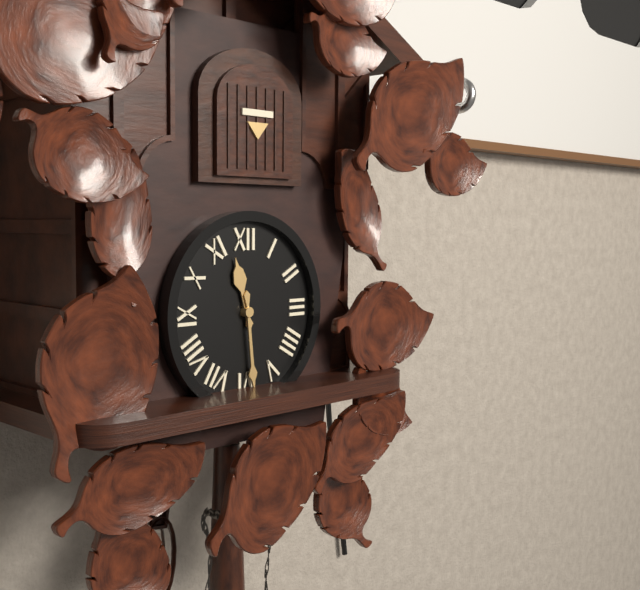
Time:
11.29
